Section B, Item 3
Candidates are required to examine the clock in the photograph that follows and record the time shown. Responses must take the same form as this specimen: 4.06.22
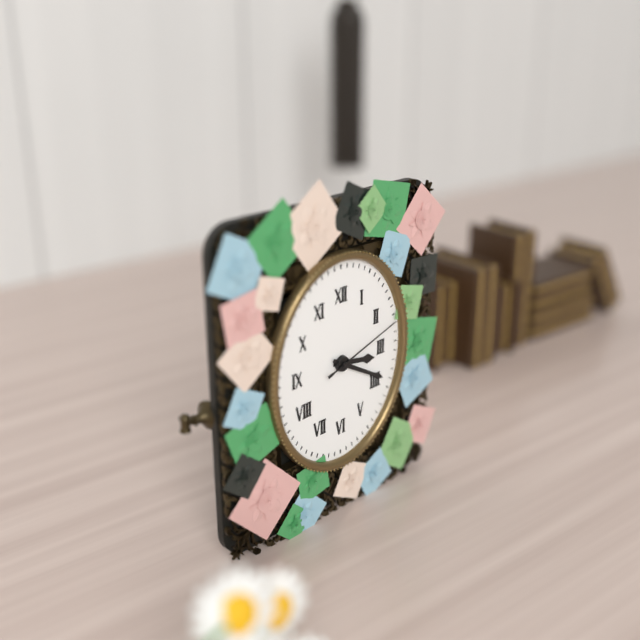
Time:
3.20.12
